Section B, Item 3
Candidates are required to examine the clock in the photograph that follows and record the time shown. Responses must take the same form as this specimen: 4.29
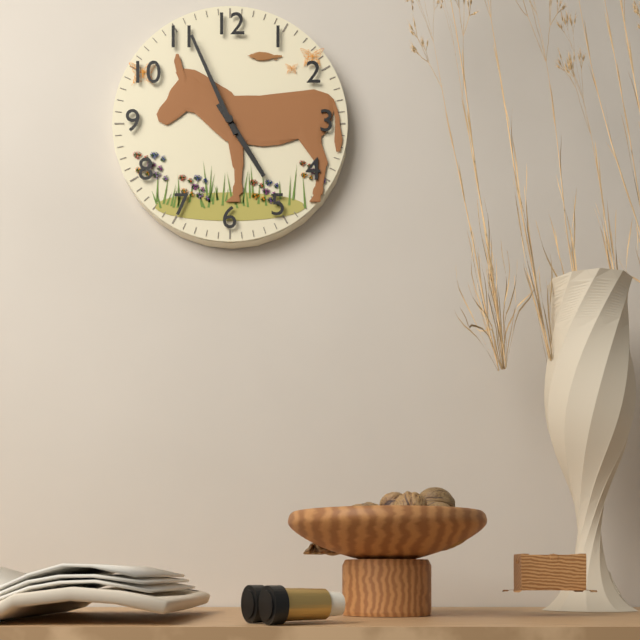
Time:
4.56
